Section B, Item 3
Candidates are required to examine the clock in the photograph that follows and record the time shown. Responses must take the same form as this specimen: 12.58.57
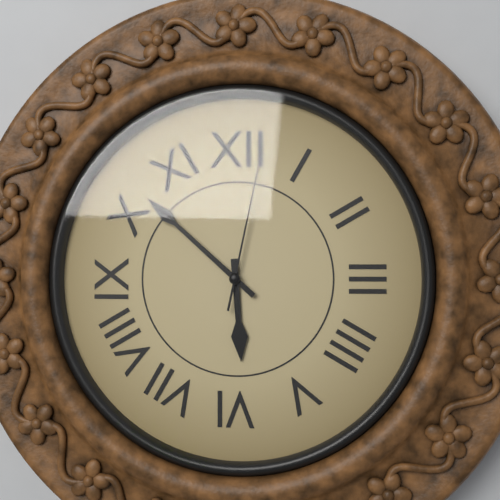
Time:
5.52.02
